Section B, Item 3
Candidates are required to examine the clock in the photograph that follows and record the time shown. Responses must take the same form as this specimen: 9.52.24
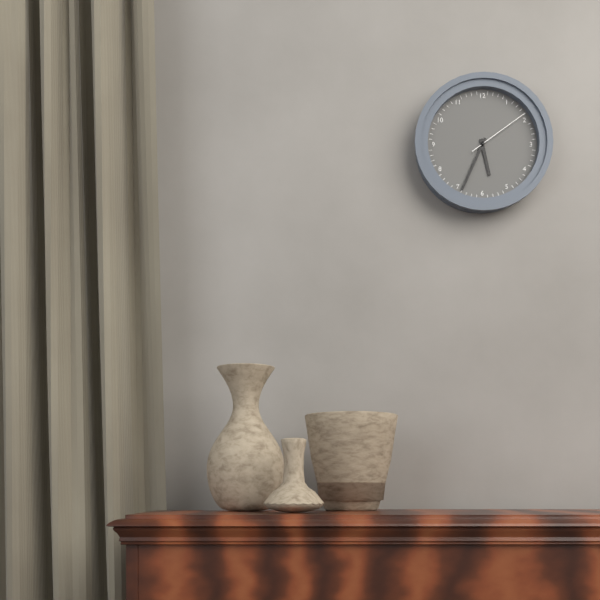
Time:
5.34.09
